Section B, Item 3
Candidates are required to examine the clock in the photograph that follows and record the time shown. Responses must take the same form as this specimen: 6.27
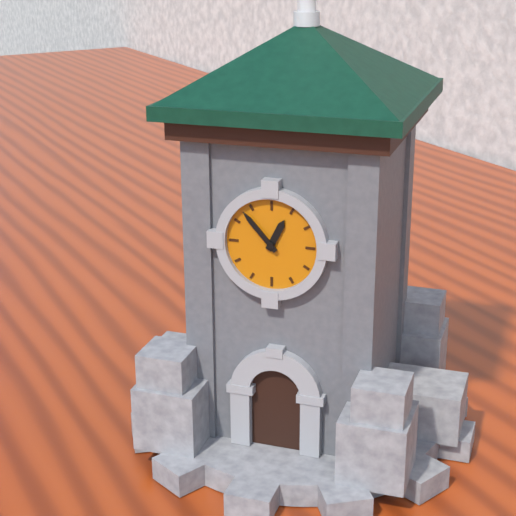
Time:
12.53
